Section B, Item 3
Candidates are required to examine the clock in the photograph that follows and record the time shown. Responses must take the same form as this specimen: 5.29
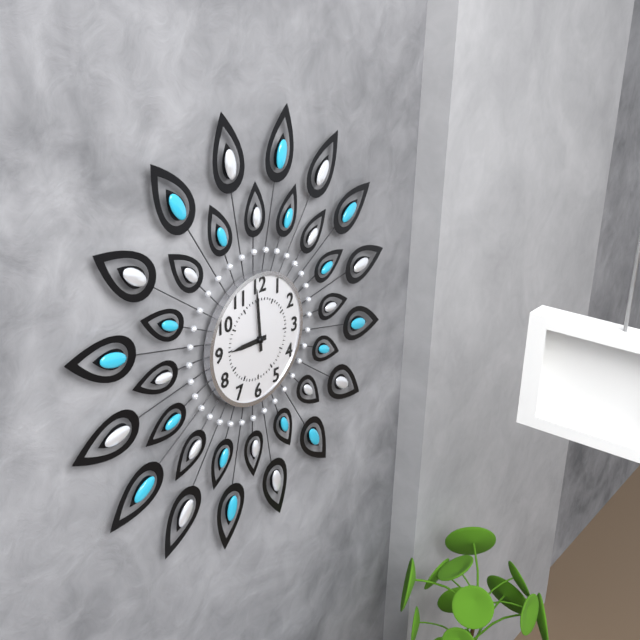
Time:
8.59
